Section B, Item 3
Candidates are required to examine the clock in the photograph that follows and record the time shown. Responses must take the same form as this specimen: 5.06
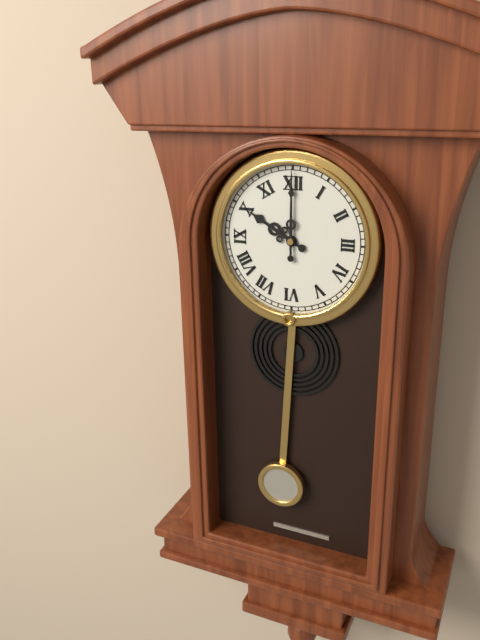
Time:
10.00
